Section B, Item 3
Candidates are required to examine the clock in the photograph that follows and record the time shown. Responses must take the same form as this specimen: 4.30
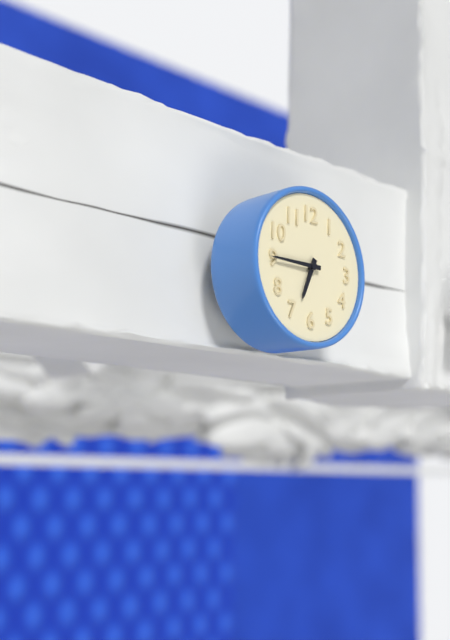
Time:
6.45
